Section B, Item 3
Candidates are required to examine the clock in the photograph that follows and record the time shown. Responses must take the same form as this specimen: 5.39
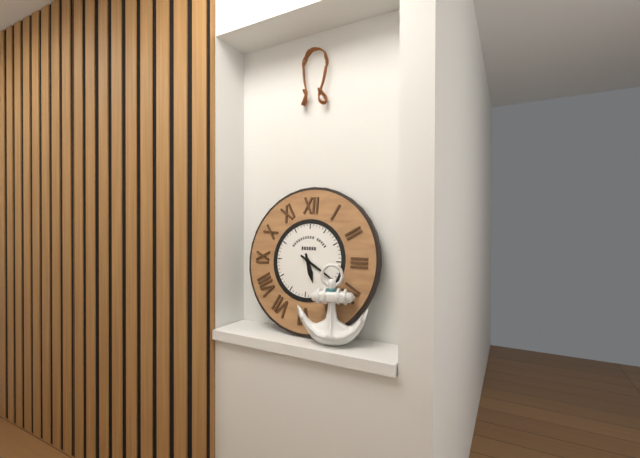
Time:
5.20
